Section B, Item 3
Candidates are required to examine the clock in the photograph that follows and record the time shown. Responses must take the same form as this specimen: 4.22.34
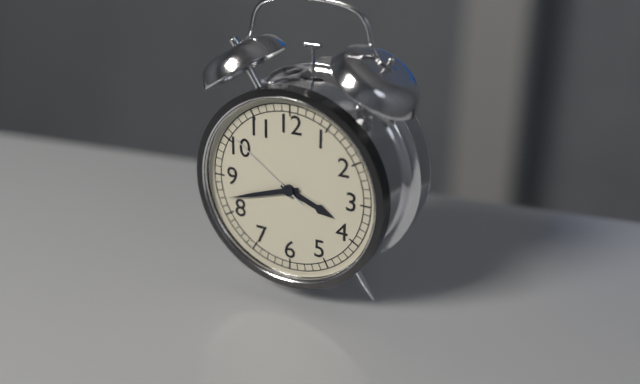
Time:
3.42.51
